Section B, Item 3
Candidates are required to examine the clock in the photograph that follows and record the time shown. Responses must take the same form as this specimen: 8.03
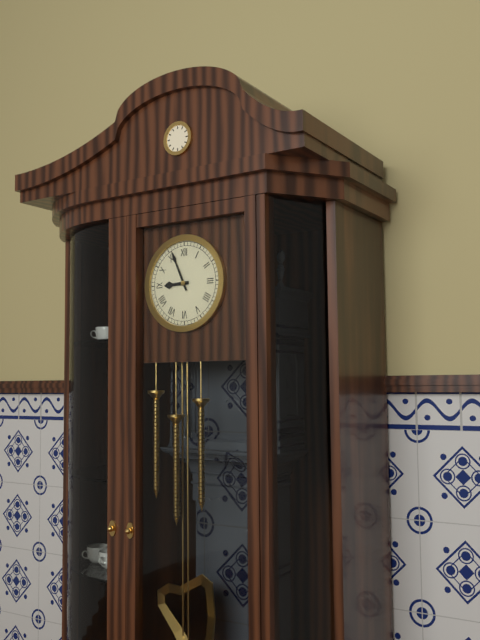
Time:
8.56
